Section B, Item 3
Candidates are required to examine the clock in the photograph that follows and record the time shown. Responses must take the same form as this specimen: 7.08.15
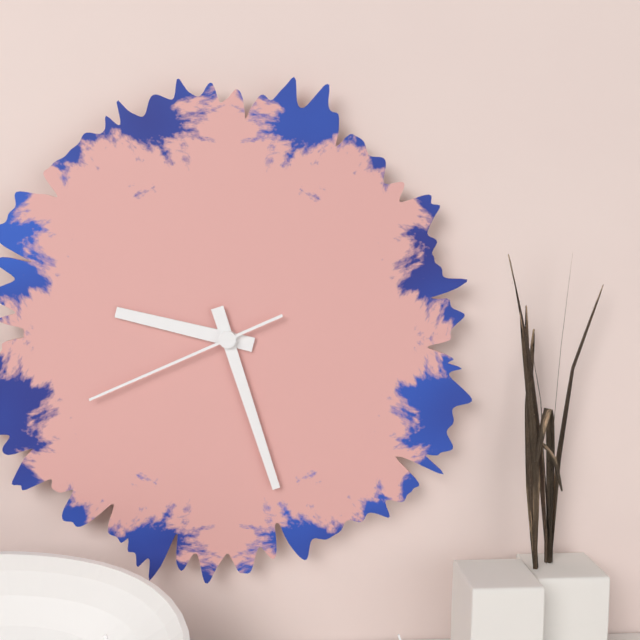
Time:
9.27.41
